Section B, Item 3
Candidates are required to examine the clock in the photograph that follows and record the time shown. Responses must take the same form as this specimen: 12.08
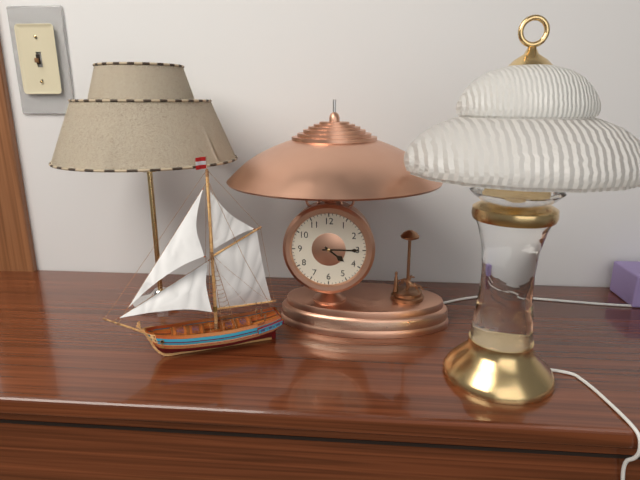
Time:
4.15
